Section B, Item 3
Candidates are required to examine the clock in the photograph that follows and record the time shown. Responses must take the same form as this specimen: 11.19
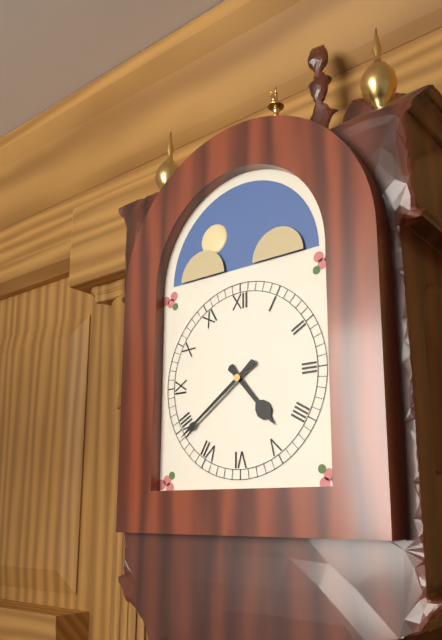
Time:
4.39
